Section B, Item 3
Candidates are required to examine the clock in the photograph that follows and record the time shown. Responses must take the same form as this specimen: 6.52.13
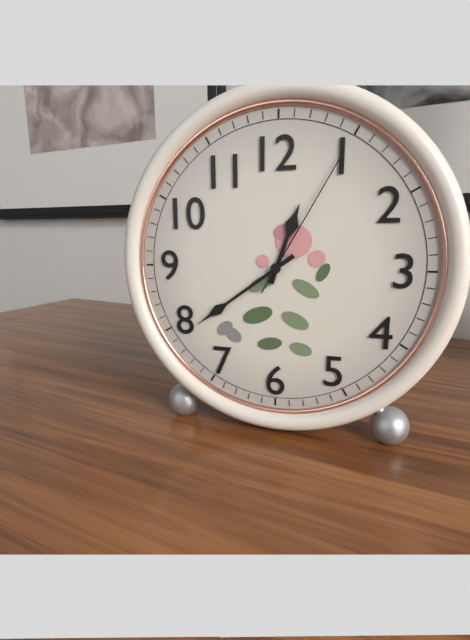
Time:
12.39.05
